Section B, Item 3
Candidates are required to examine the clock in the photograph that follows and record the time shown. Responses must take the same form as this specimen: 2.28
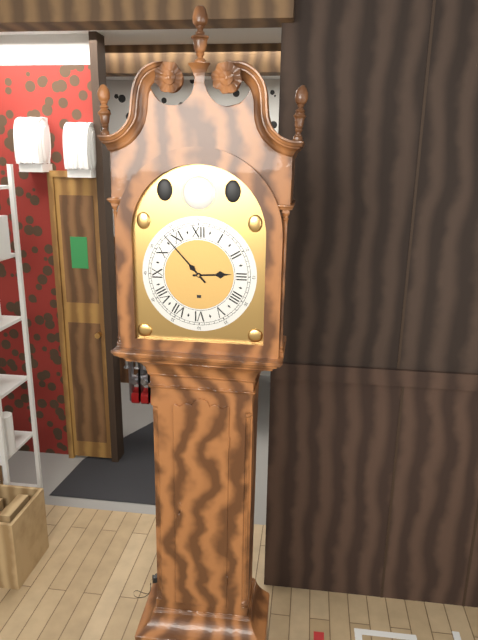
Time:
2.53
